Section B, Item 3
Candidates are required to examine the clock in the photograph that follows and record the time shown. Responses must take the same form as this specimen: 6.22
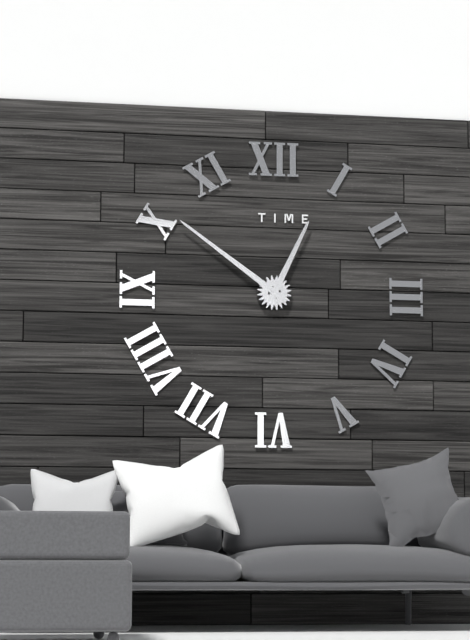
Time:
12.51
